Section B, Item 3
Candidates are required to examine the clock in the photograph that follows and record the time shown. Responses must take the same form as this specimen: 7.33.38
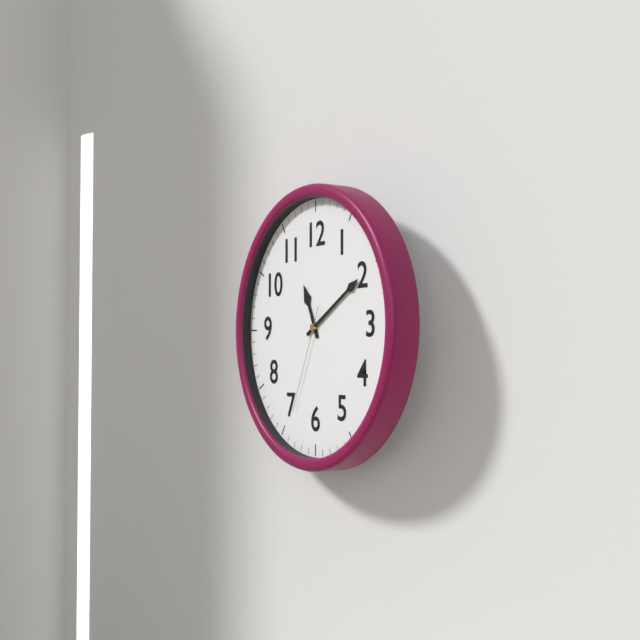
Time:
11.10.34
